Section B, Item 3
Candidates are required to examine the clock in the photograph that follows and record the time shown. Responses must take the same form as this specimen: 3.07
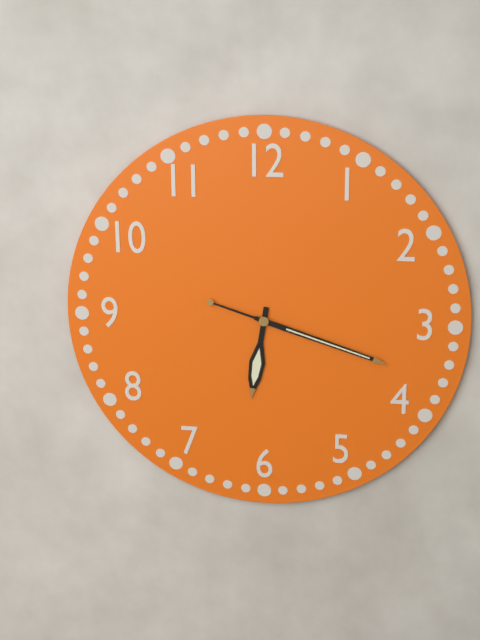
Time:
6.18
